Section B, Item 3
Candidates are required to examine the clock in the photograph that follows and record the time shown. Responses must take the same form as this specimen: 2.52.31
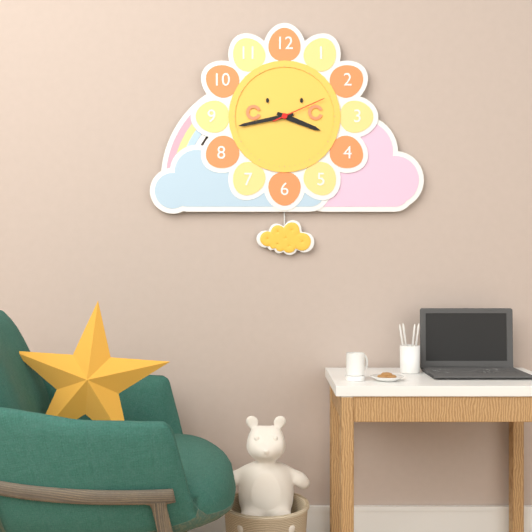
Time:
3.43.11
